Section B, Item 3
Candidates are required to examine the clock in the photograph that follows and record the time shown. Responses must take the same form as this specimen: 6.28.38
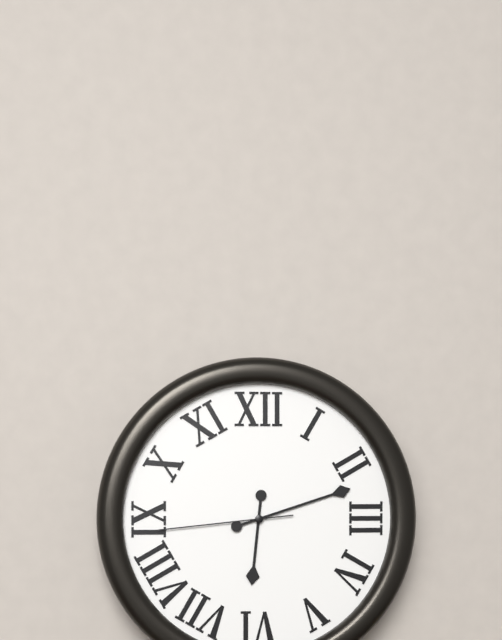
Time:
6.12.44
